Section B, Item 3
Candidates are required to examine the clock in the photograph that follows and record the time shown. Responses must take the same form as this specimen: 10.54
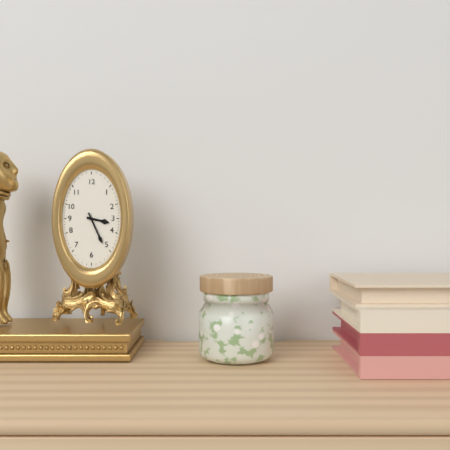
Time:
3.26
